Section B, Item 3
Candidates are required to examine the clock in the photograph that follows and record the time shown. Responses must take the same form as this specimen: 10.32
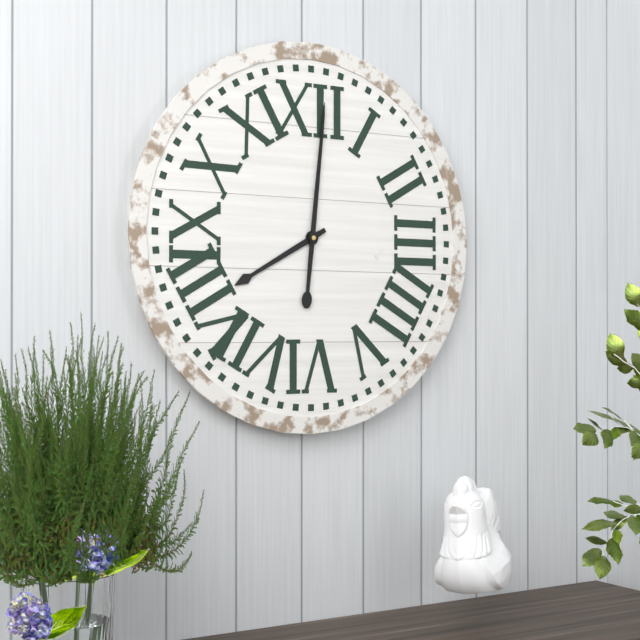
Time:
8.01
